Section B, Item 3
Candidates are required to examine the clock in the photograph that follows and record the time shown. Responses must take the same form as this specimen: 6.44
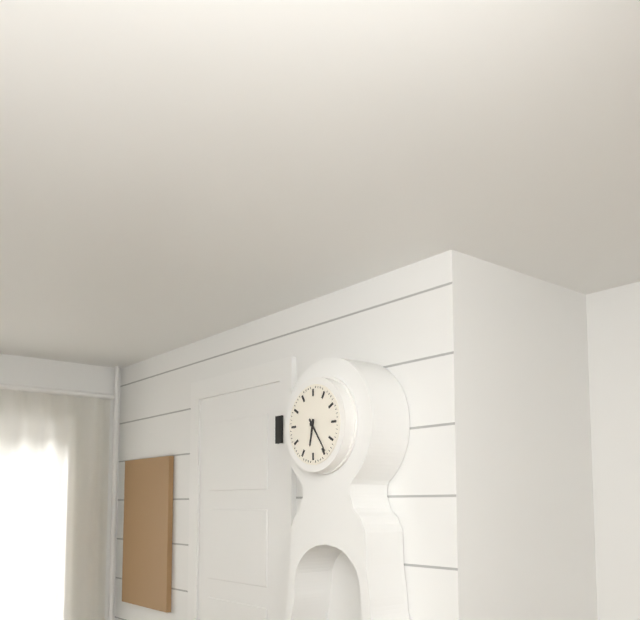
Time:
6.24
